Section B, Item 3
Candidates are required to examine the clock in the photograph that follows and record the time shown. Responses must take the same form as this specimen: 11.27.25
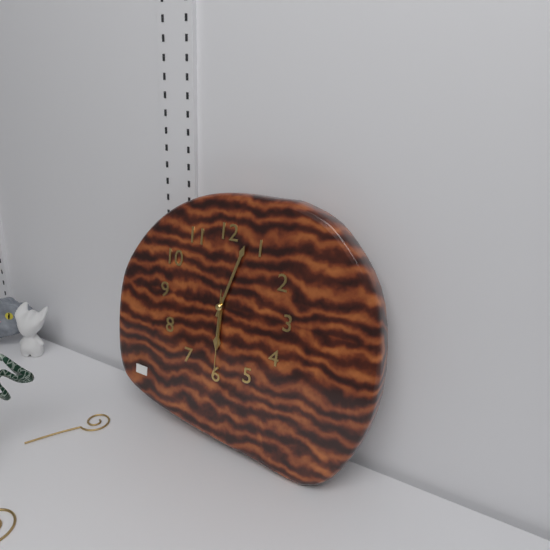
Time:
6.03.30
